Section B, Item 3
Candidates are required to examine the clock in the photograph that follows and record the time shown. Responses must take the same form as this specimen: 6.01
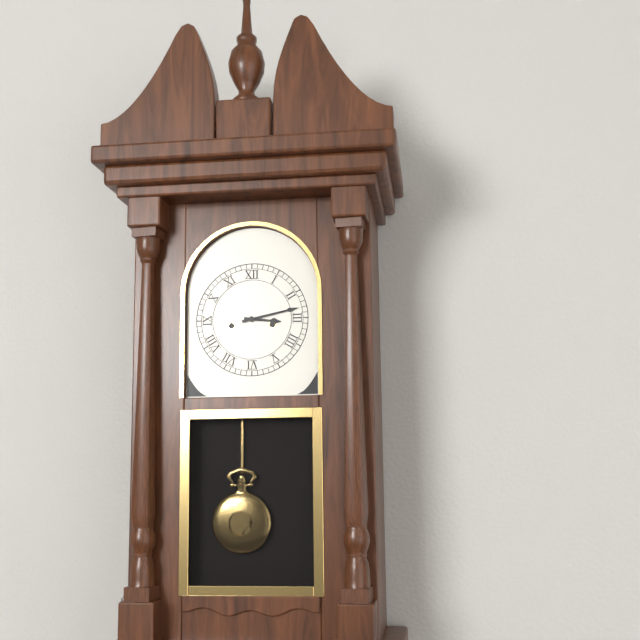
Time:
3.13
